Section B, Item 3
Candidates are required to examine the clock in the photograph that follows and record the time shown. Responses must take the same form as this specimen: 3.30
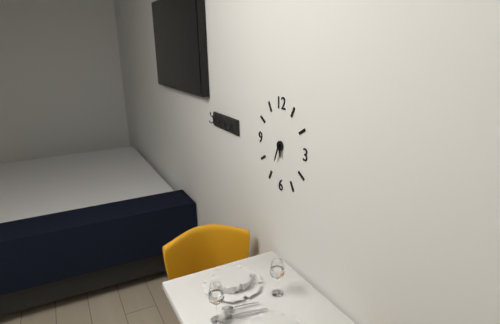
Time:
5.34
